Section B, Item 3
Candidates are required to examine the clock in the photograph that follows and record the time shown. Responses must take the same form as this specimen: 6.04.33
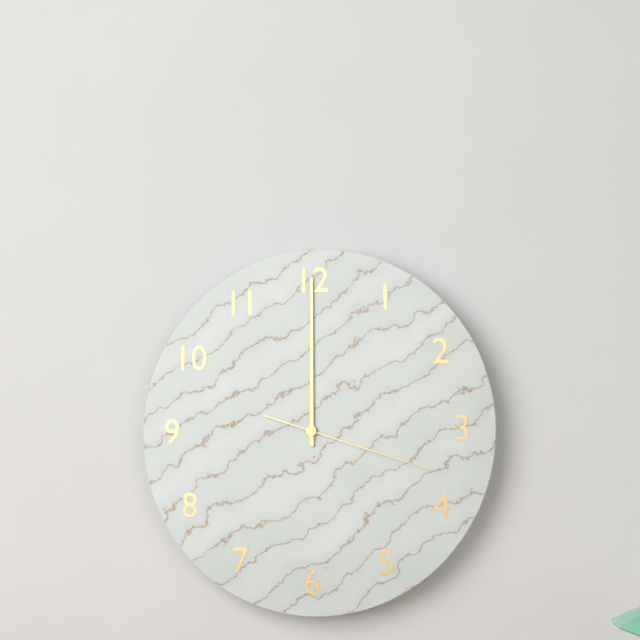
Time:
12.00.18
